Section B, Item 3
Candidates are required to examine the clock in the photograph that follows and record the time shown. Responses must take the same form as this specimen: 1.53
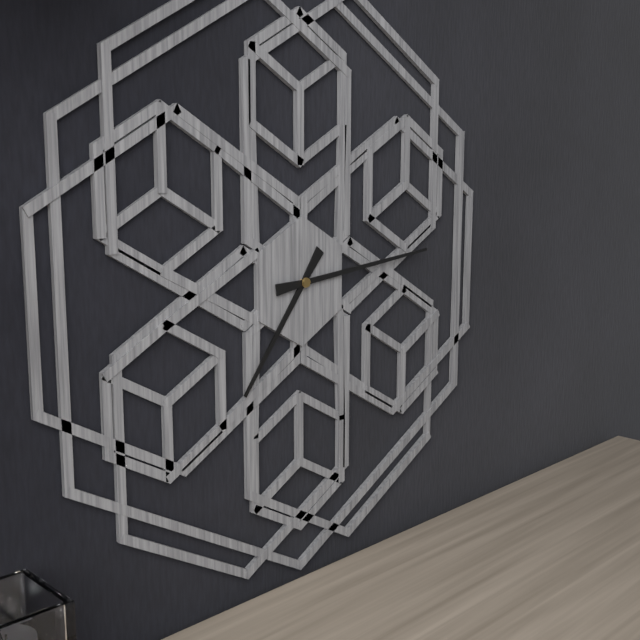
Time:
7.14
